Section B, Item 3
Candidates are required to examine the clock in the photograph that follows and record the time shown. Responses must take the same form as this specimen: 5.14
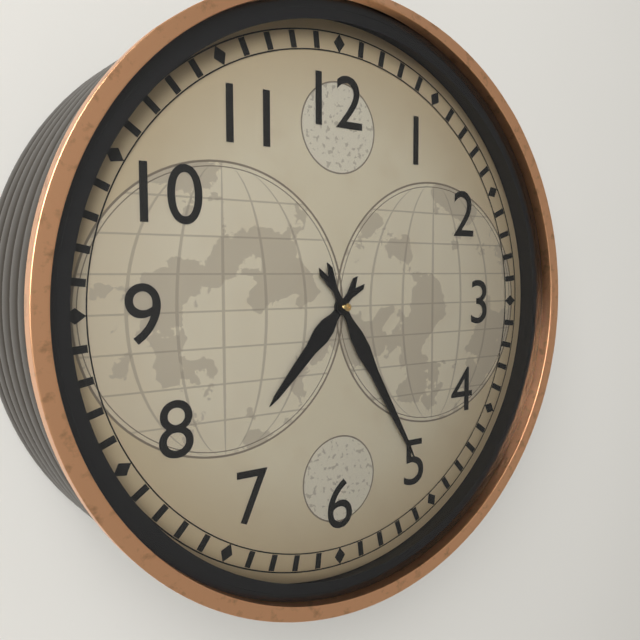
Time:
7.25
